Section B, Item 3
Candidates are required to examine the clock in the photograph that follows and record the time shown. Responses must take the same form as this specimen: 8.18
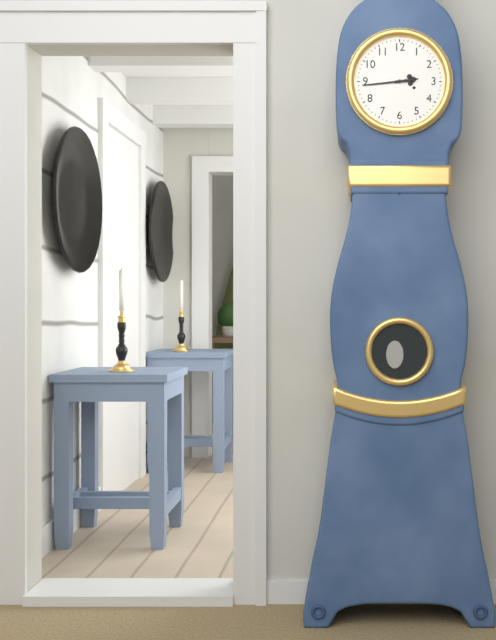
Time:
2.44
